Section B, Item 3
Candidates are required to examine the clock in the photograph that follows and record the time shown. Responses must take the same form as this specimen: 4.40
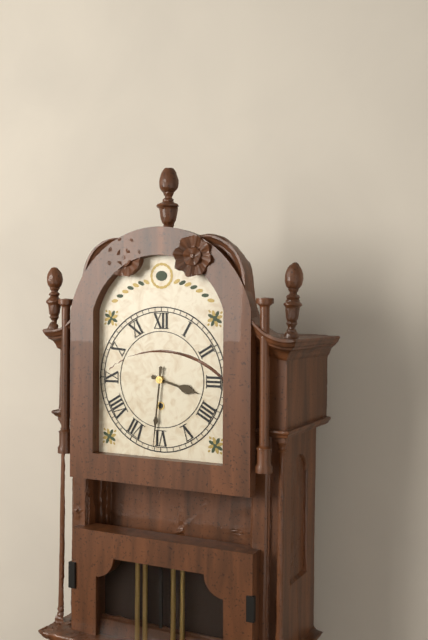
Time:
3.31
